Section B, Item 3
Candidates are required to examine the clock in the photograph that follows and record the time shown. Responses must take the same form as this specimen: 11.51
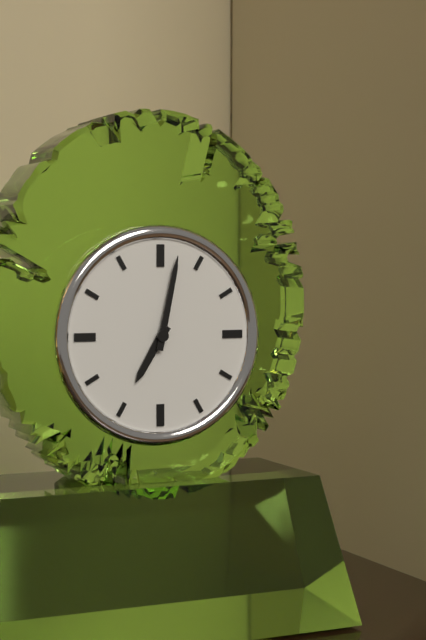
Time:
7.02
